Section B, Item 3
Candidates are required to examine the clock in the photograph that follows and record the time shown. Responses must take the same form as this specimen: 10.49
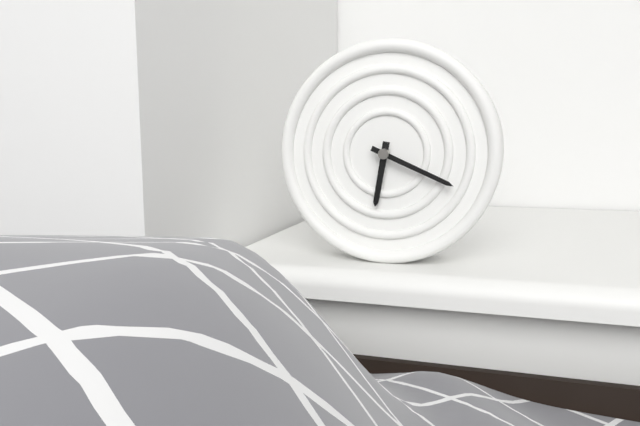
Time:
6.19
